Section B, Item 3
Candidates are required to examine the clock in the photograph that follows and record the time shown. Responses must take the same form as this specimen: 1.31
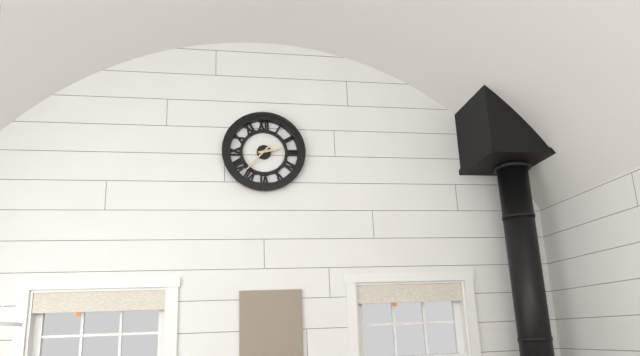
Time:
2.37
